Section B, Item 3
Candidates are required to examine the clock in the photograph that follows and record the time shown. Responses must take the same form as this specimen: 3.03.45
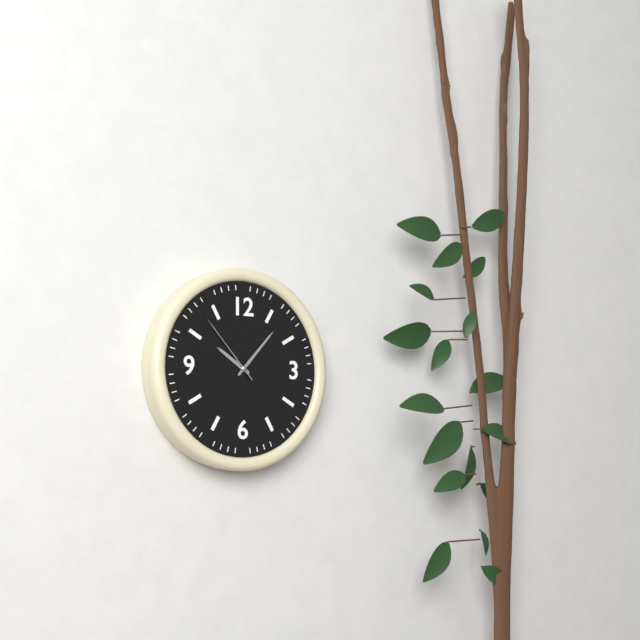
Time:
10.07.53
